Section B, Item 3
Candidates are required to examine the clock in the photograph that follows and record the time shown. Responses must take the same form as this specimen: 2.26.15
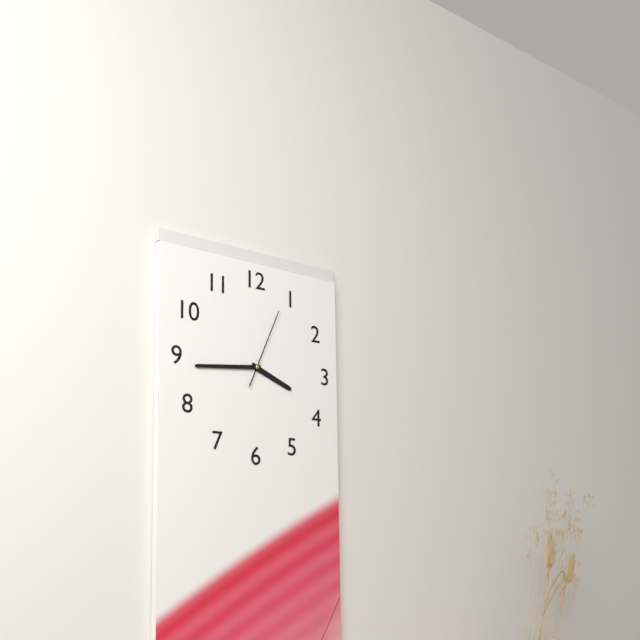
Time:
3.44.04
